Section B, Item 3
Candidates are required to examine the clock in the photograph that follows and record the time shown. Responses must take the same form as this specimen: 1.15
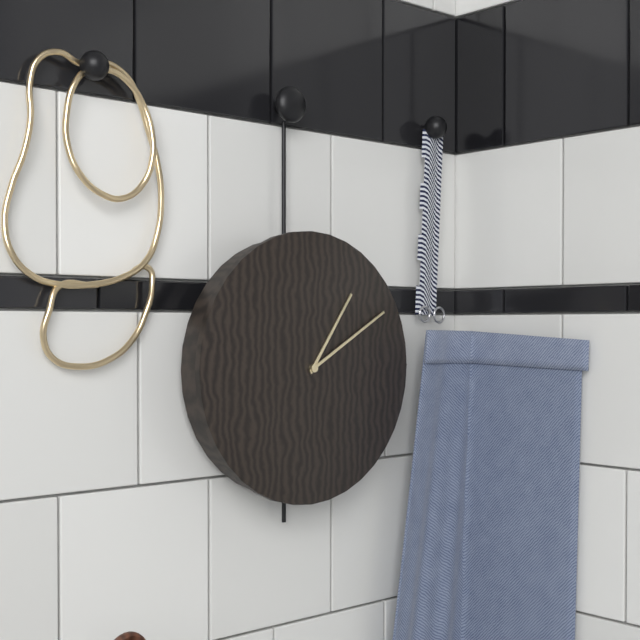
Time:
1.10
